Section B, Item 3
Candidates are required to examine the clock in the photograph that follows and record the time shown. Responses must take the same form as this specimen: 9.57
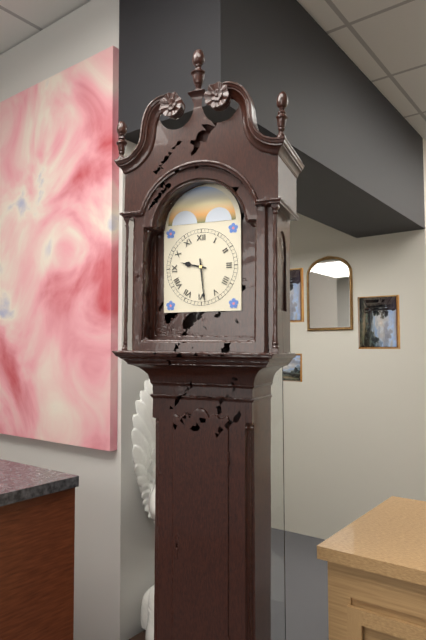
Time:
9.29
